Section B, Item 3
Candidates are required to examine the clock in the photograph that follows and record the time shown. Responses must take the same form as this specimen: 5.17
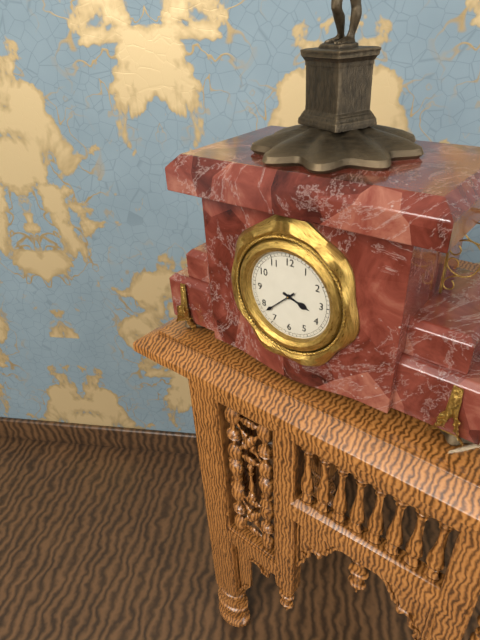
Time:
3.38
